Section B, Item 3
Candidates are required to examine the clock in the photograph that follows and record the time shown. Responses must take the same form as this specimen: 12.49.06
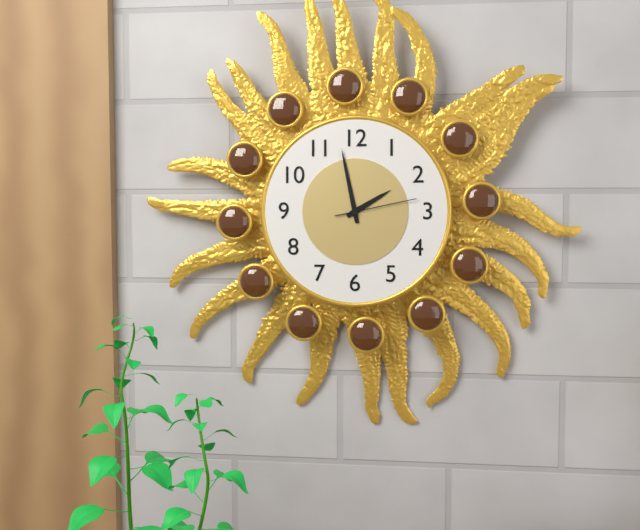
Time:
1.58.13
